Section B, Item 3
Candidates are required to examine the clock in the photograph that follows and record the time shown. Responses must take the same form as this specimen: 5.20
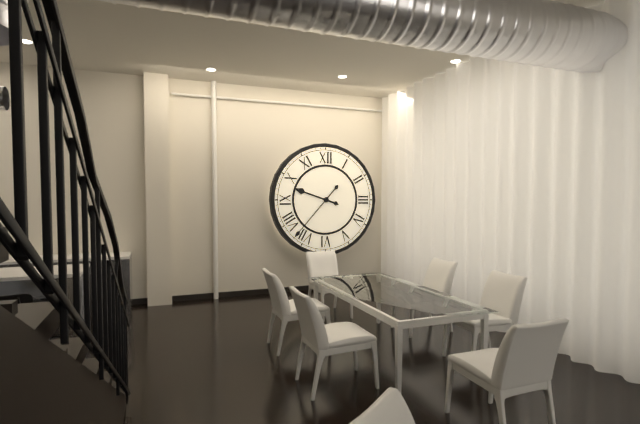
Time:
9.37
